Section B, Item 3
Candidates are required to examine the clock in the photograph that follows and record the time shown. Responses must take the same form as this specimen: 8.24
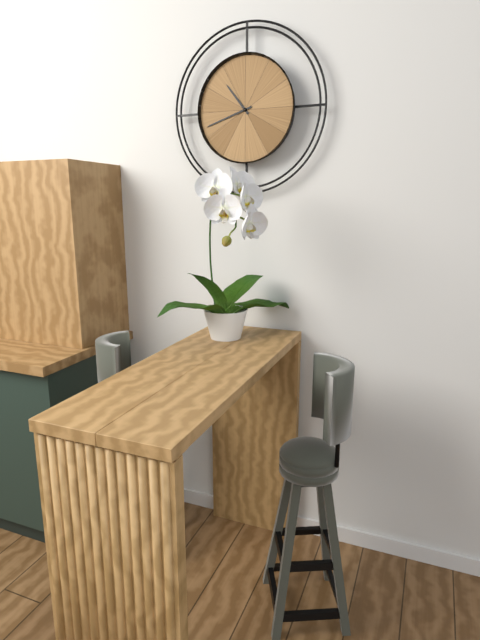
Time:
10.42
